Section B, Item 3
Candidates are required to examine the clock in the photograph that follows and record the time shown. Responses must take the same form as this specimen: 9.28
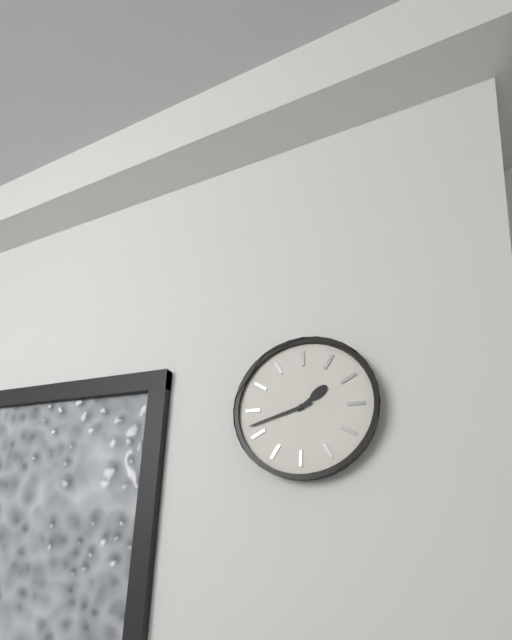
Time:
1.42
